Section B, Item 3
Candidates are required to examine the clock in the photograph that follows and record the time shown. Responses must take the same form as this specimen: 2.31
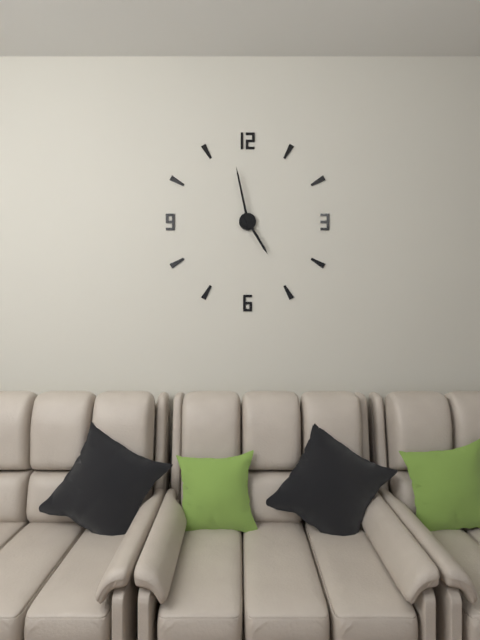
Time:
4.58
